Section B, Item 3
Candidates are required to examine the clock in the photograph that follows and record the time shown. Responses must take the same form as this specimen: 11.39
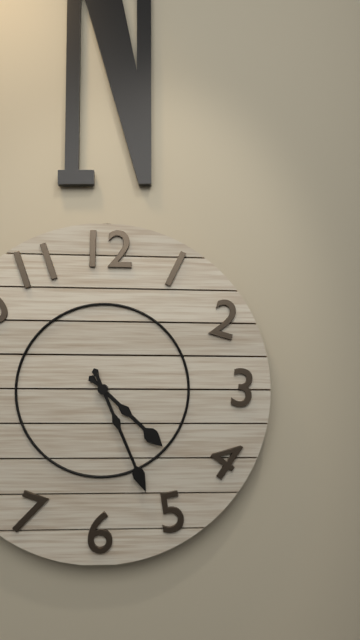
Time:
4.26
